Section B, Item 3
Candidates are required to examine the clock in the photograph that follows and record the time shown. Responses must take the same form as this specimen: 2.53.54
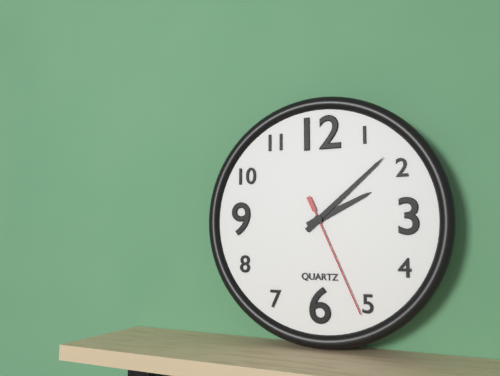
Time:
2.08.26
